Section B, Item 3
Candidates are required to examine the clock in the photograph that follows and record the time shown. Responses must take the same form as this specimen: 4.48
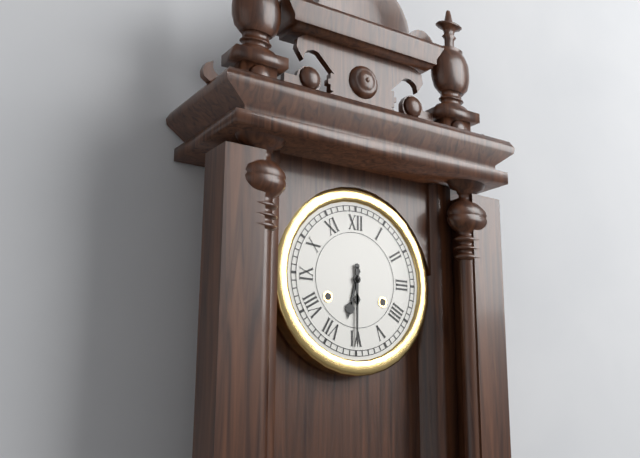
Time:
6.30
